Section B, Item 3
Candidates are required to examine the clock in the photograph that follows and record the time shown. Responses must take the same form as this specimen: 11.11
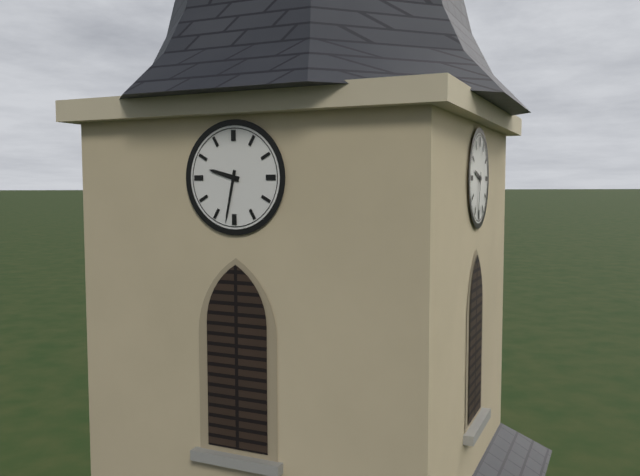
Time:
9.32
